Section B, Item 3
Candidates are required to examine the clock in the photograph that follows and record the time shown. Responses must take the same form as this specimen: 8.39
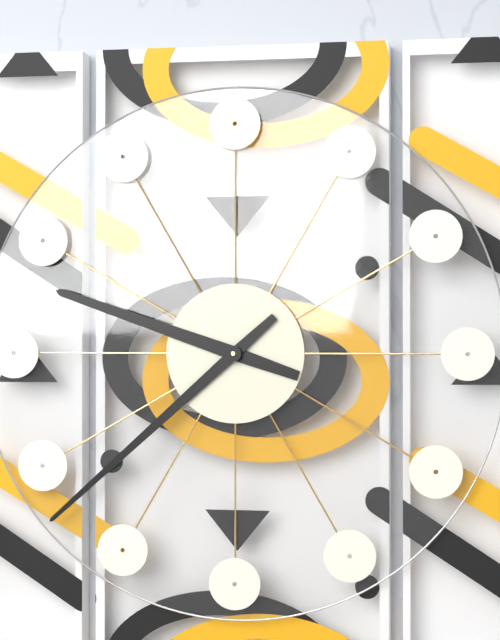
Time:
9.38
